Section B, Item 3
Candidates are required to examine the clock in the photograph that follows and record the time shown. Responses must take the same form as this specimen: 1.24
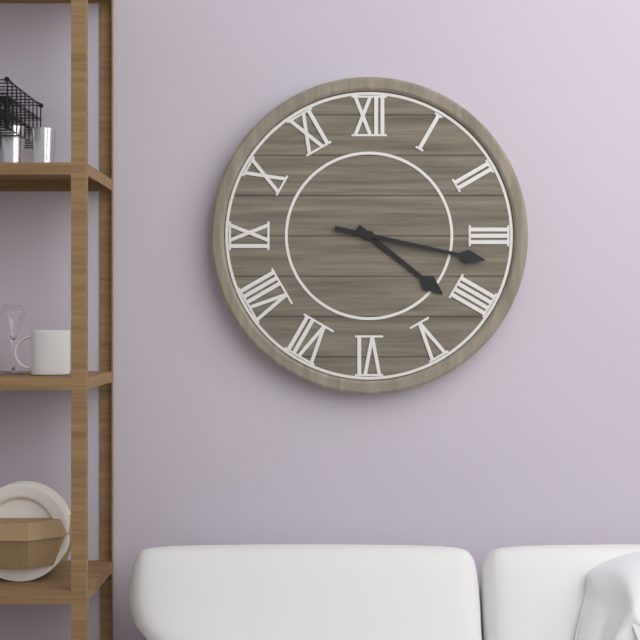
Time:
4.17
